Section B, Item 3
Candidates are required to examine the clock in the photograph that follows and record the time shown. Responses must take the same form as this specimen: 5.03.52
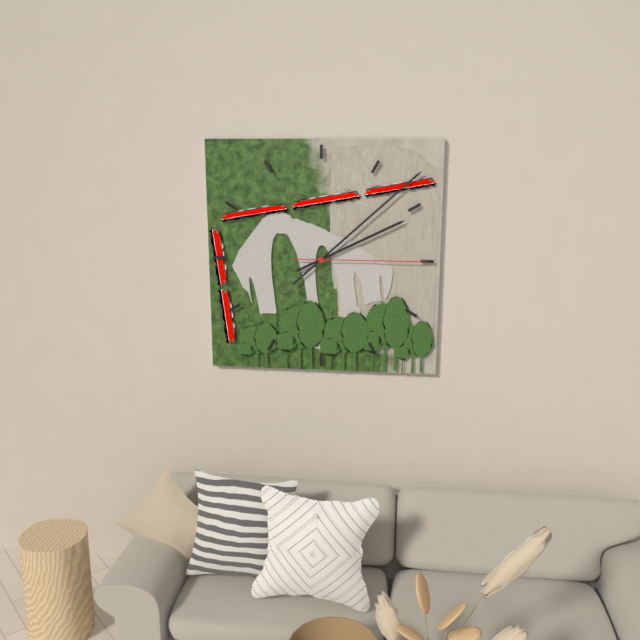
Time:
2.08.15
